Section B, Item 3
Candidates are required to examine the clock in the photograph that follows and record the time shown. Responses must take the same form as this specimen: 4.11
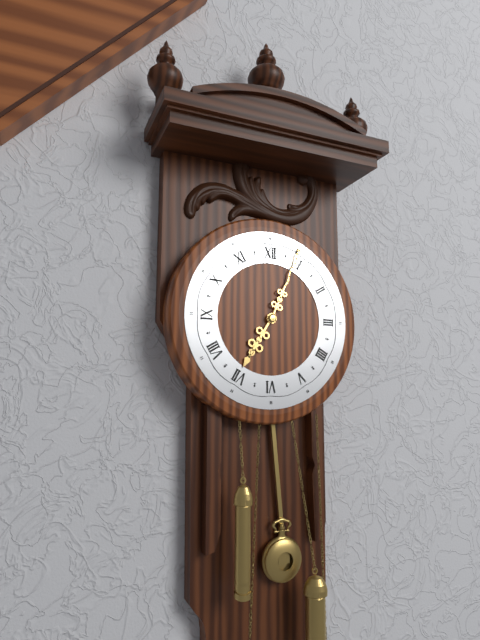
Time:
7.04
